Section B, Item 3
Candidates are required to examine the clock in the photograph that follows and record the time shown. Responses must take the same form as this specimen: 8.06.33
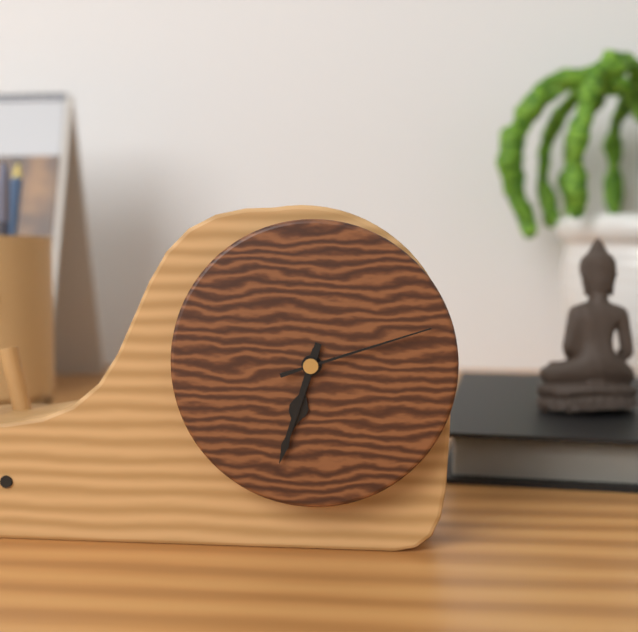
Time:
6.33.12
